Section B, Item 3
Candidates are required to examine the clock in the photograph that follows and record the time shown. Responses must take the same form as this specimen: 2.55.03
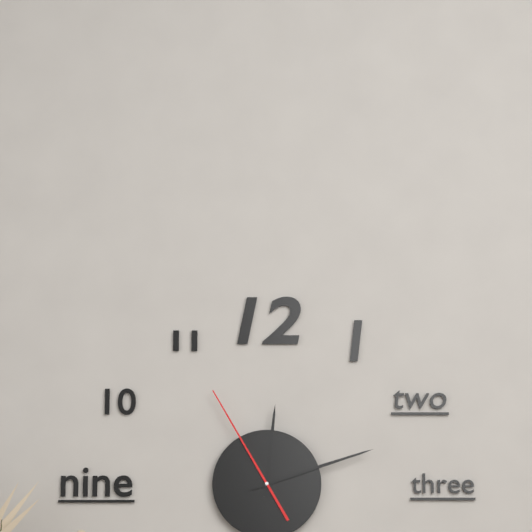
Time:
12.12.55
